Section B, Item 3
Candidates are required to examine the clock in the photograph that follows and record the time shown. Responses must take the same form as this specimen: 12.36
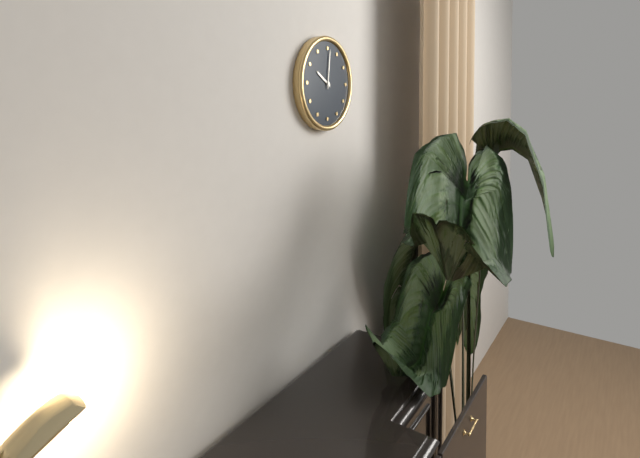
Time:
10.01
